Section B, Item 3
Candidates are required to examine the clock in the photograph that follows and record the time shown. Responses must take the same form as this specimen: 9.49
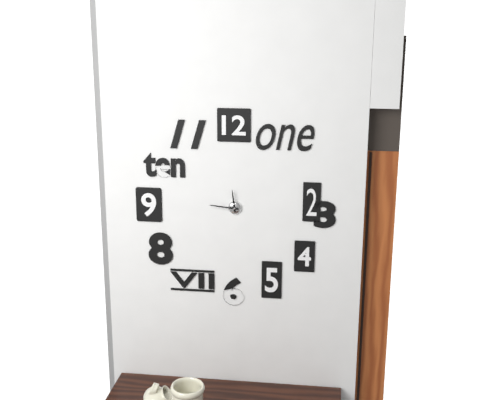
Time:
11.46
